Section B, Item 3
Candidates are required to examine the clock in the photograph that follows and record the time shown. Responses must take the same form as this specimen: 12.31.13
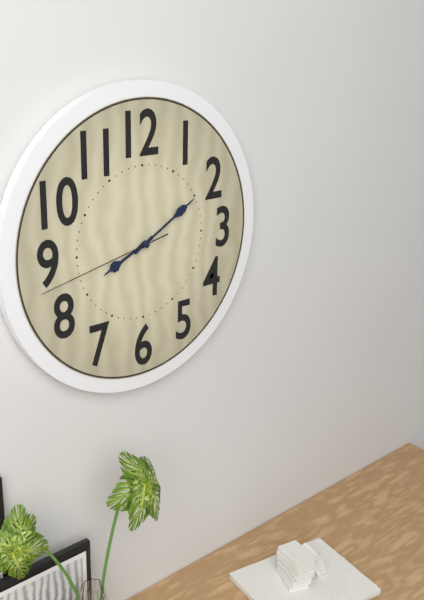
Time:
8.10.43
